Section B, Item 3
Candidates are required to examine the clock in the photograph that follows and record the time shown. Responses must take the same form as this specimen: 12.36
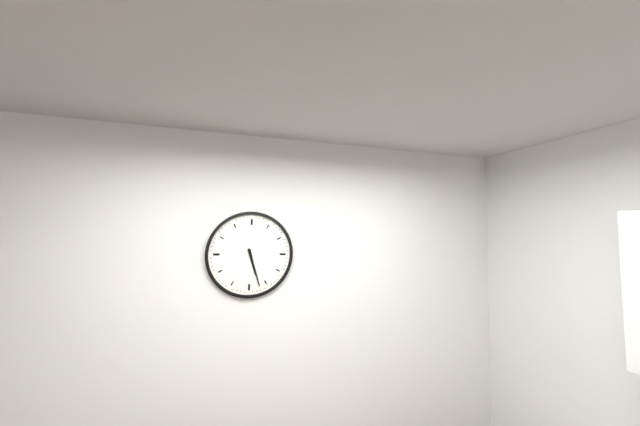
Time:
5.27
